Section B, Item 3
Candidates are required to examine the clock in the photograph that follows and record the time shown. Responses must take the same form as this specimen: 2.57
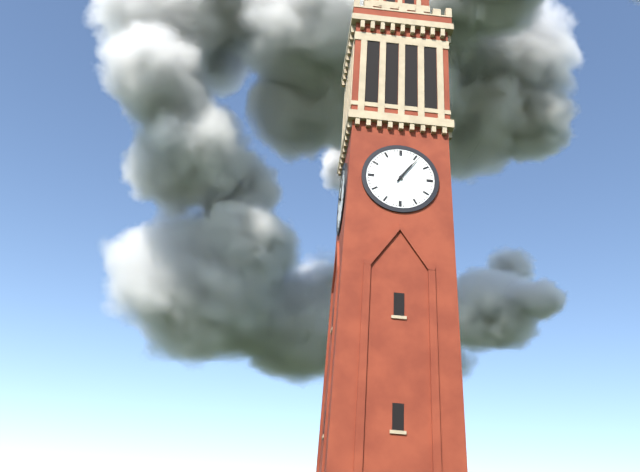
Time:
1.06
